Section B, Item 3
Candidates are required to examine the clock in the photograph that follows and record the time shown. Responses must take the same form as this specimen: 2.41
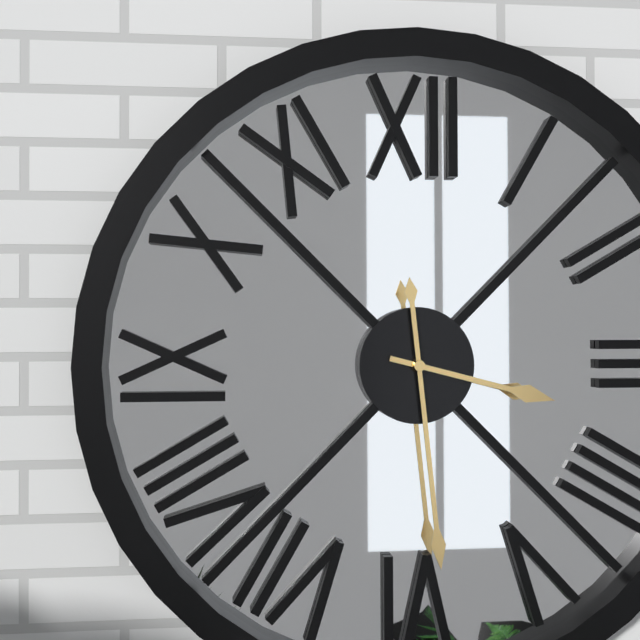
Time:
3.29
